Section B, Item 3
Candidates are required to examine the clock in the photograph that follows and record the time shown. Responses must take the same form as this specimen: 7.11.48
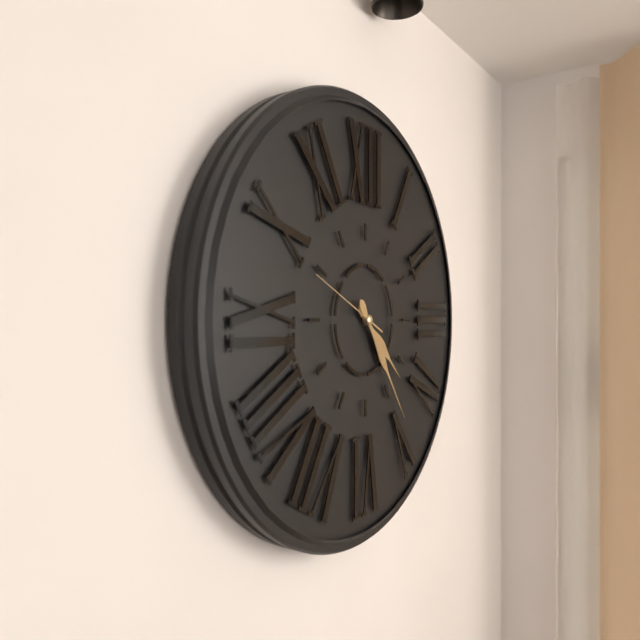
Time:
4.24.49
